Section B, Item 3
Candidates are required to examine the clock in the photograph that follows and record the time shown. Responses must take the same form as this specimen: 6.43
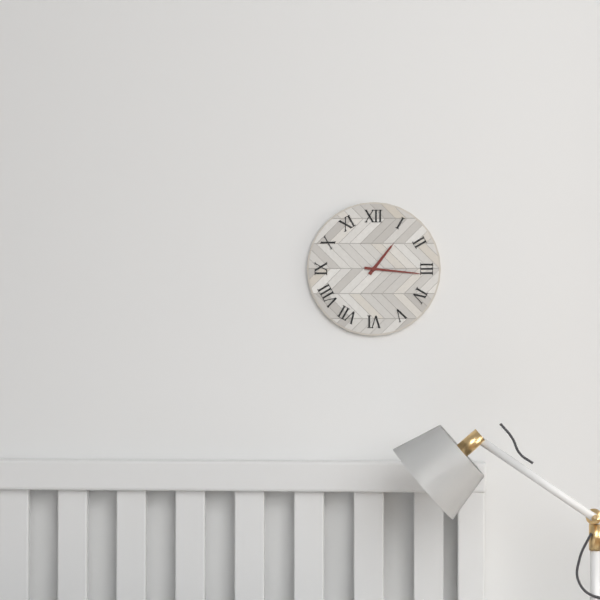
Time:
1.16
